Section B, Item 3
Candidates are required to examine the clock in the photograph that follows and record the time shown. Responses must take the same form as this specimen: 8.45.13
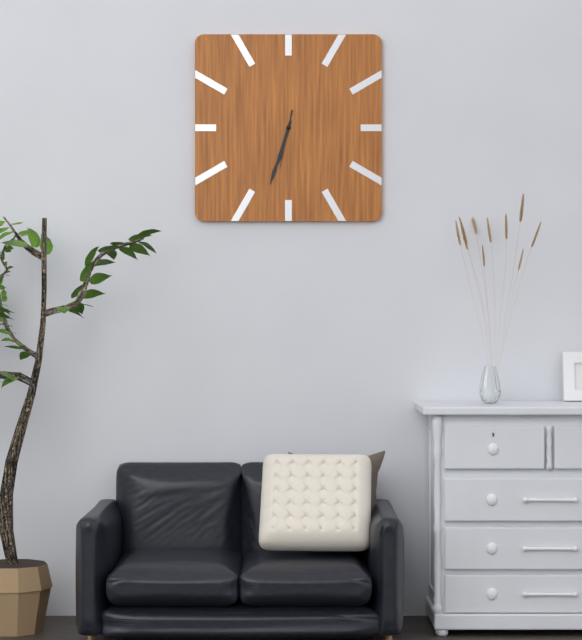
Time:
6.33.32
